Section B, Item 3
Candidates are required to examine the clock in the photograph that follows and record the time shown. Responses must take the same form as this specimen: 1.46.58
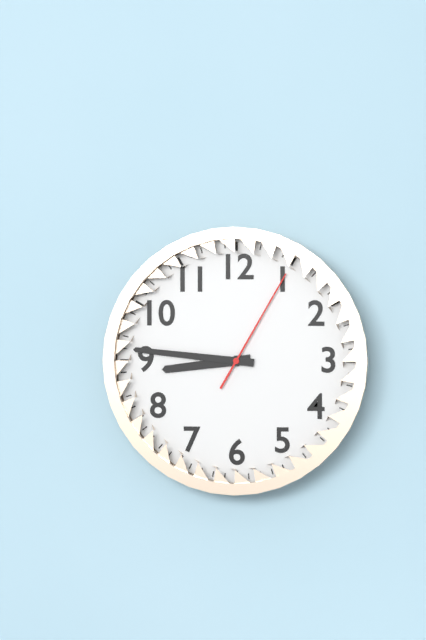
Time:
8.46.05
